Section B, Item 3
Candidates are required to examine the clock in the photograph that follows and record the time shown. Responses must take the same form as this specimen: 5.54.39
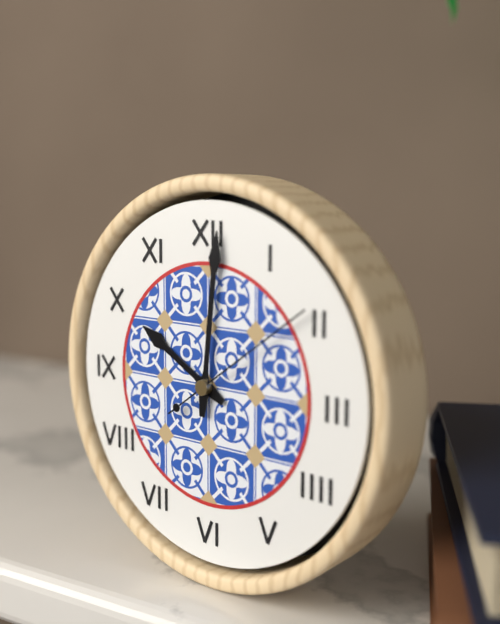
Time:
10.01.09
